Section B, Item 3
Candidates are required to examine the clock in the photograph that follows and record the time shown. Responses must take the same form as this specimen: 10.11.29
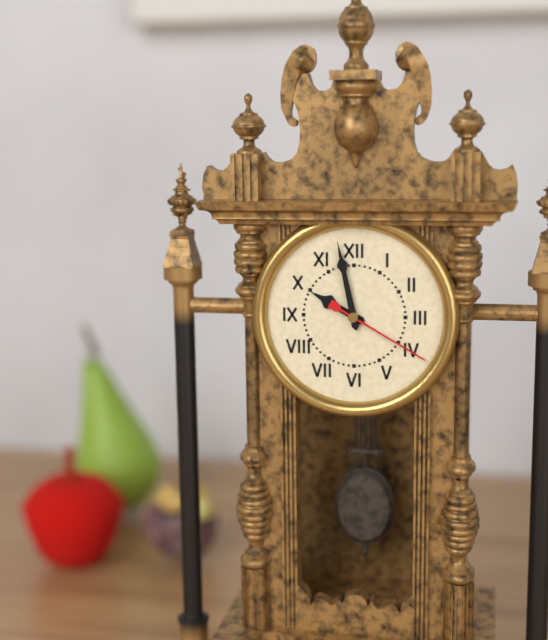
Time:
9.58.20
